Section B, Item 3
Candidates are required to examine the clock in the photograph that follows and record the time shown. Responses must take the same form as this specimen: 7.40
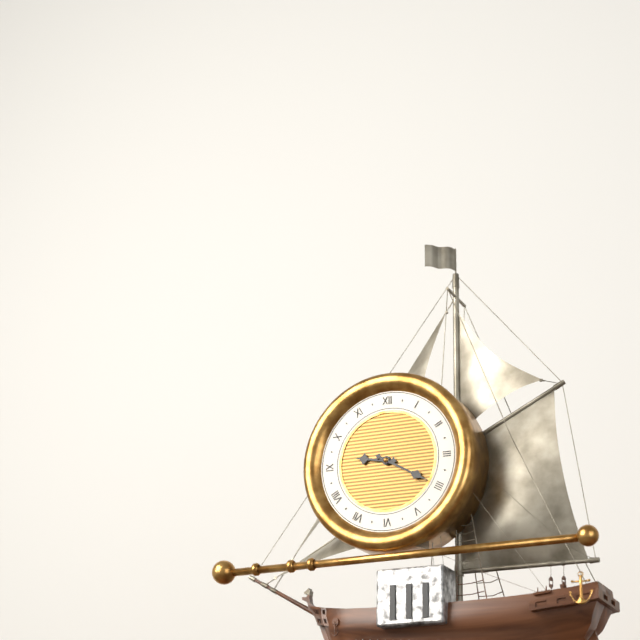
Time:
9.20
